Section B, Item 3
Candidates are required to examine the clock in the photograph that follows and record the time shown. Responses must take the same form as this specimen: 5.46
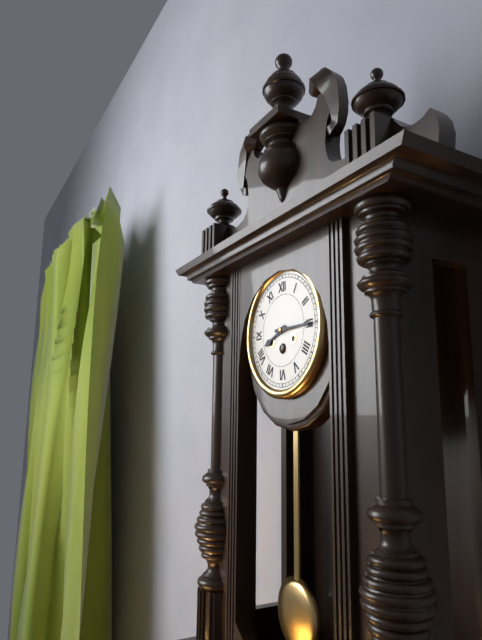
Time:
8.15
